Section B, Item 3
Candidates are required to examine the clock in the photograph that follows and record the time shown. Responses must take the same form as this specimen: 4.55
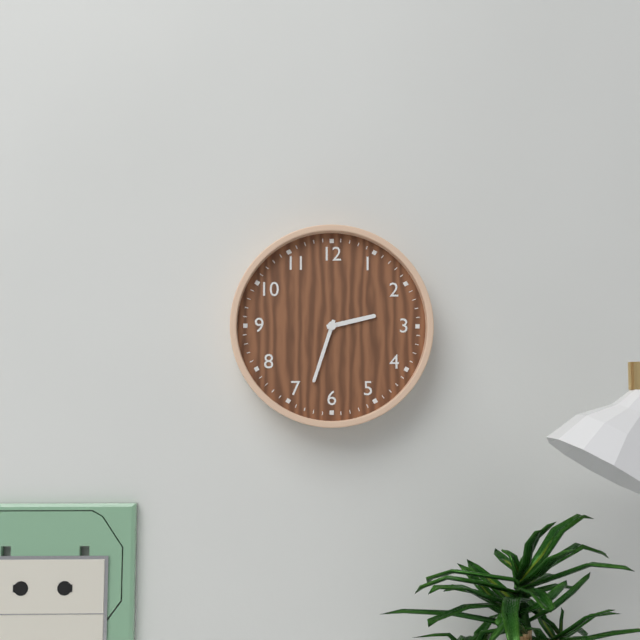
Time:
2.33
